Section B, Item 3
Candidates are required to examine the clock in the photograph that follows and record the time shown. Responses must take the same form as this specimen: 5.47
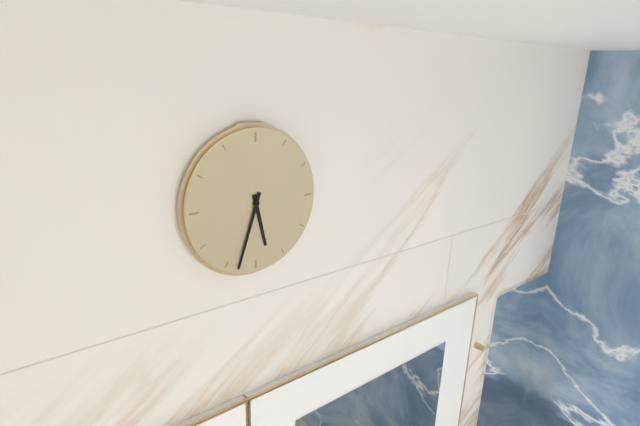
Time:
5.33
